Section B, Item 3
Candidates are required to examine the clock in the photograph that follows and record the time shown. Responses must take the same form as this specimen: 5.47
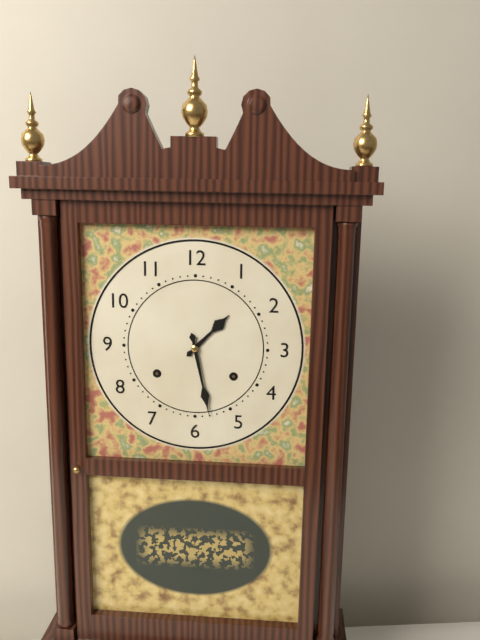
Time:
1.28
